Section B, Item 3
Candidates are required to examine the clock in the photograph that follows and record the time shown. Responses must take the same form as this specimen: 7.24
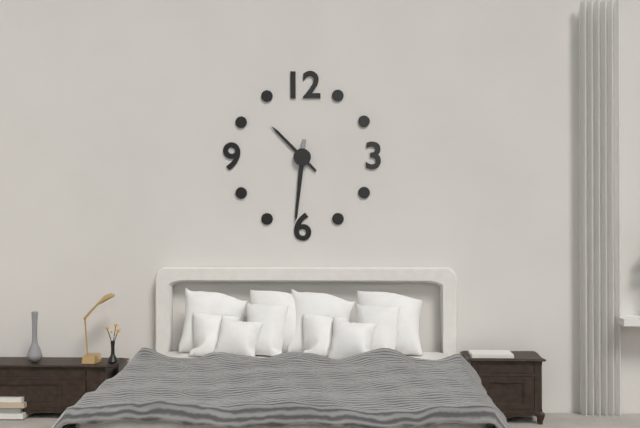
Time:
10.31
